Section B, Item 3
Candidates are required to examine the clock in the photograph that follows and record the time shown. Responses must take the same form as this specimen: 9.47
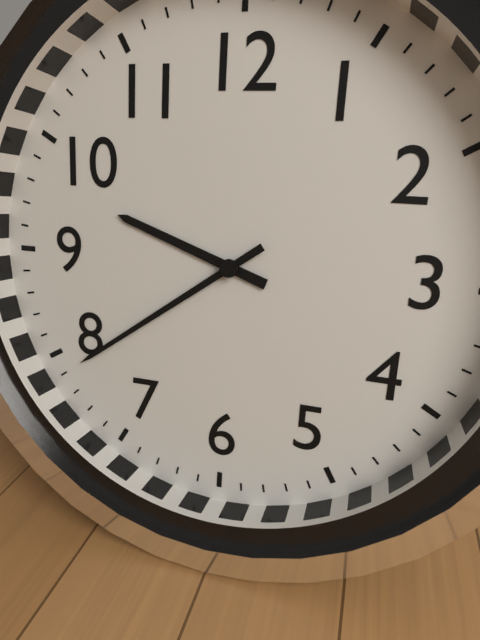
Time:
9.39
